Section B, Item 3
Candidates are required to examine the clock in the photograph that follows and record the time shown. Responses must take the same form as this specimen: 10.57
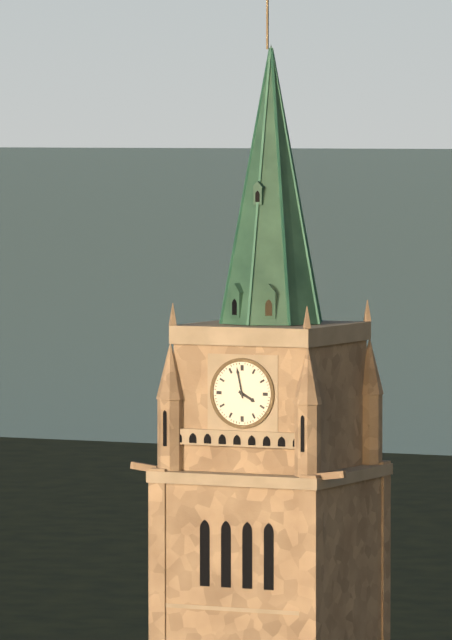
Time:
3.58
